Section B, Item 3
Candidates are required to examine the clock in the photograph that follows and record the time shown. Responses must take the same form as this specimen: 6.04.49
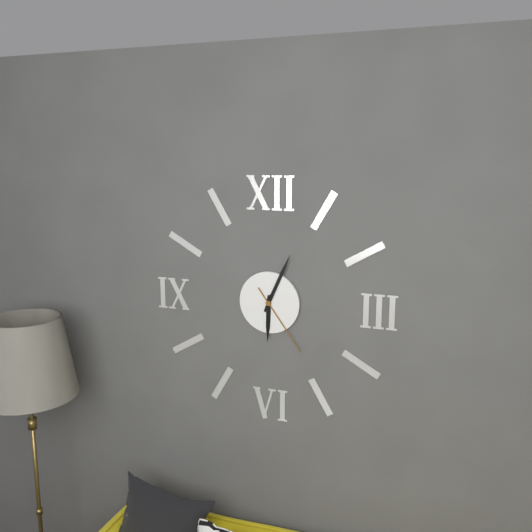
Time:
6.04.24
